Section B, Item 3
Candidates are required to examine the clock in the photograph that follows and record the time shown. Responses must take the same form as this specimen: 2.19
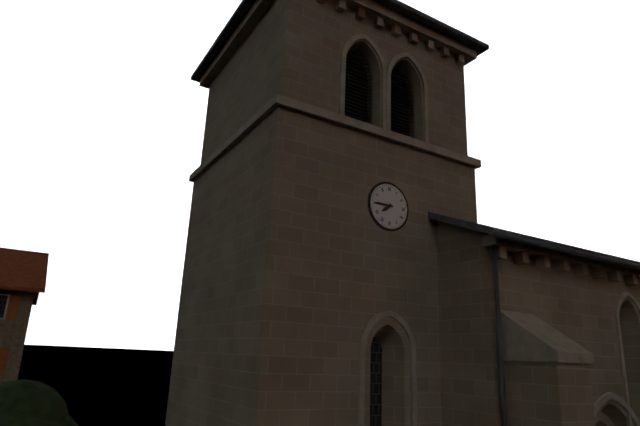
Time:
7.45
